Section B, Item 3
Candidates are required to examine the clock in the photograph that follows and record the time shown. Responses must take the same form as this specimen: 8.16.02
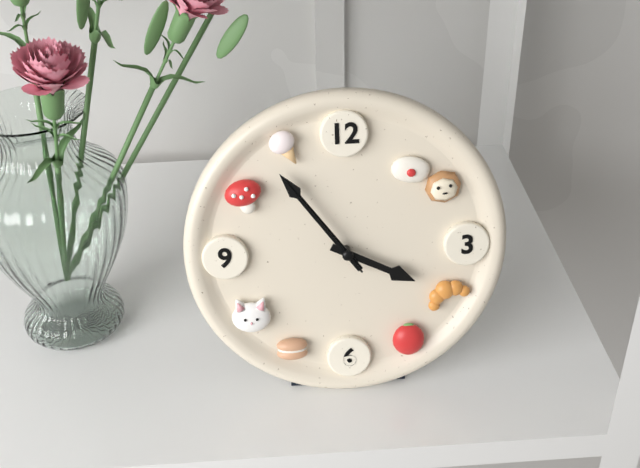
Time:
3.54.54
